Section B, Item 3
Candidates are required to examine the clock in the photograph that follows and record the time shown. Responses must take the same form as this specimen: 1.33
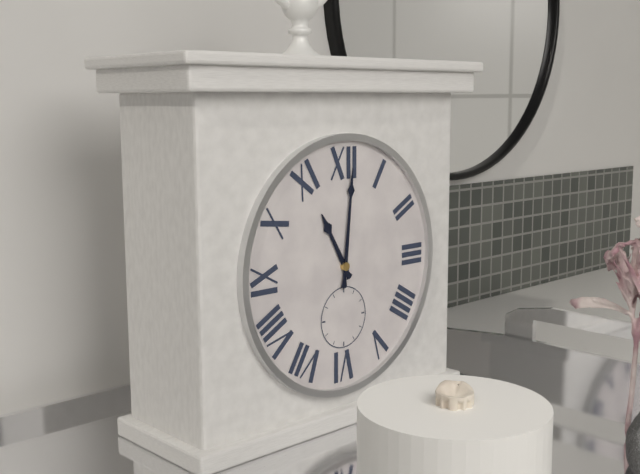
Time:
11.01
